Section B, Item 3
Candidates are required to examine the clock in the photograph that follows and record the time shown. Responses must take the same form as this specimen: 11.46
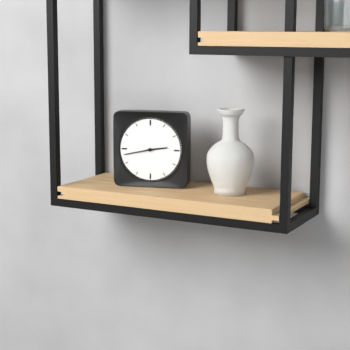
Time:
2.43
